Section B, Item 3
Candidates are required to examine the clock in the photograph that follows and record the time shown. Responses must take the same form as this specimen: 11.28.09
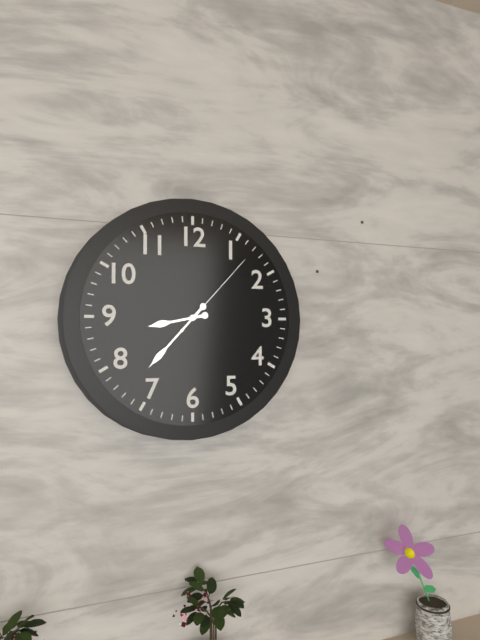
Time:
8.37.07
